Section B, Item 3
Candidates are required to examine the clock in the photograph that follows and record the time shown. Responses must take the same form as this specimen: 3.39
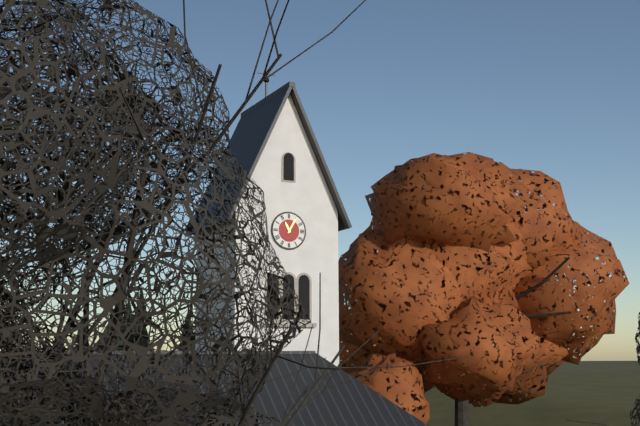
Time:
11.05
